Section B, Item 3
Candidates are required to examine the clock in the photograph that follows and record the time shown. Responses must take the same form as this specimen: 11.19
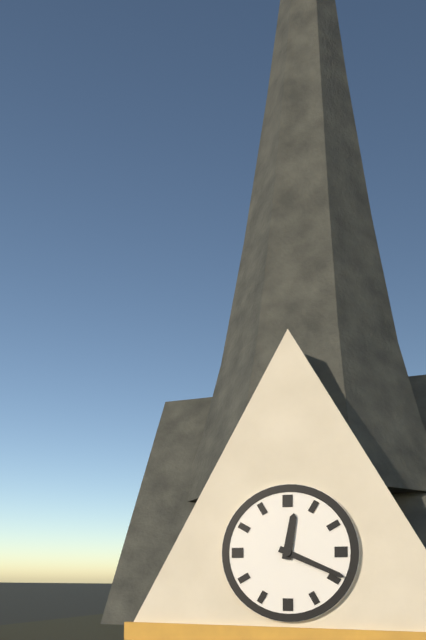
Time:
12.19
